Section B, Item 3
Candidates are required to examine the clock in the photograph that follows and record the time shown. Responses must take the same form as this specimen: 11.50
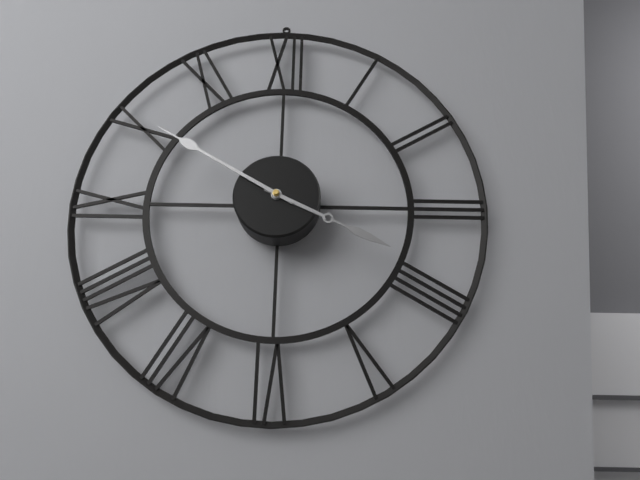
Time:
3.50
